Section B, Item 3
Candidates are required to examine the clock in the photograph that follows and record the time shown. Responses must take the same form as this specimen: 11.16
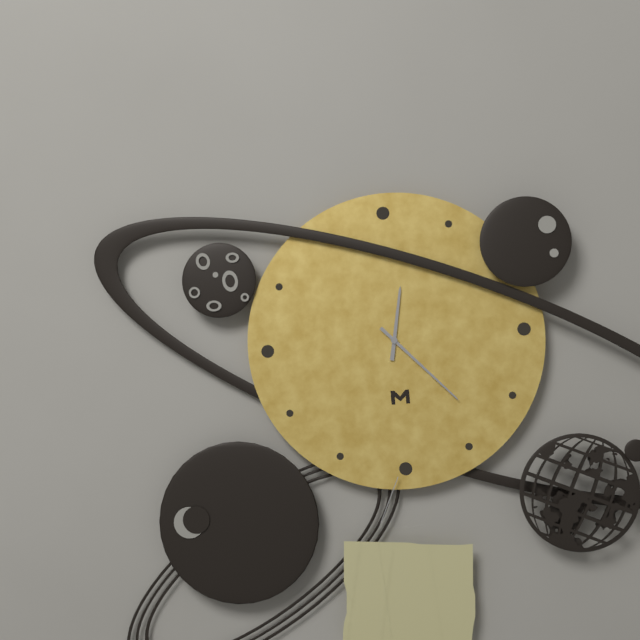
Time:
12.23
